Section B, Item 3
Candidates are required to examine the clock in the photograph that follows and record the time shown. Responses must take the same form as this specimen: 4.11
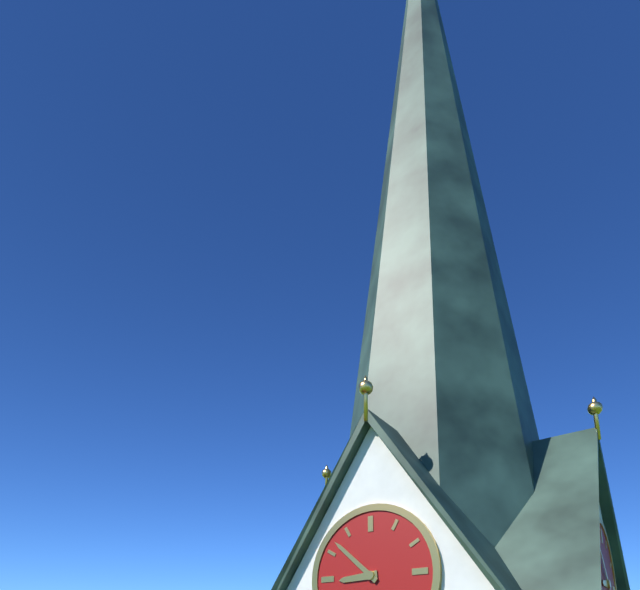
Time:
8.52
